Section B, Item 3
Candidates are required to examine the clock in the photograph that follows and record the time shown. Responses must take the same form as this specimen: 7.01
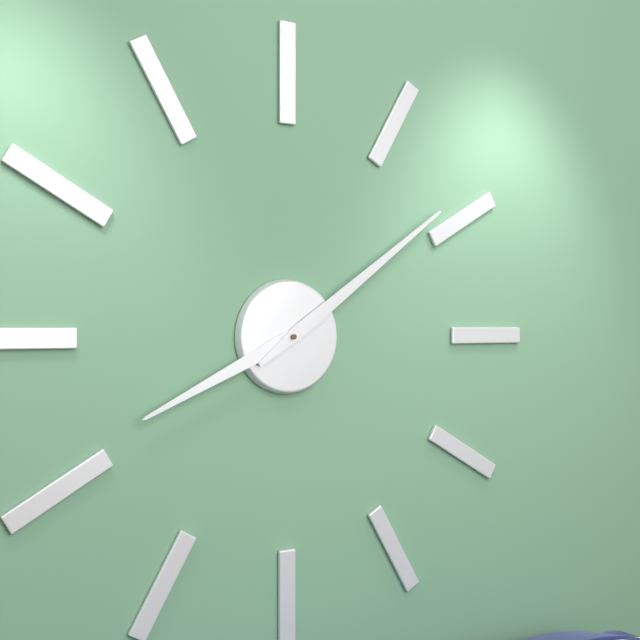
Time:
8.09
